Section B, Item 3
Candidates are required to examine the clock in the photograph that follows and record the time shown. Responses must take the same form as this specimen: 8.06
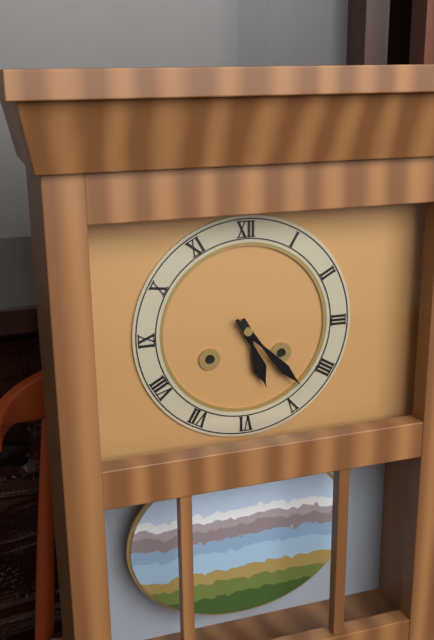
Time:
5.23
